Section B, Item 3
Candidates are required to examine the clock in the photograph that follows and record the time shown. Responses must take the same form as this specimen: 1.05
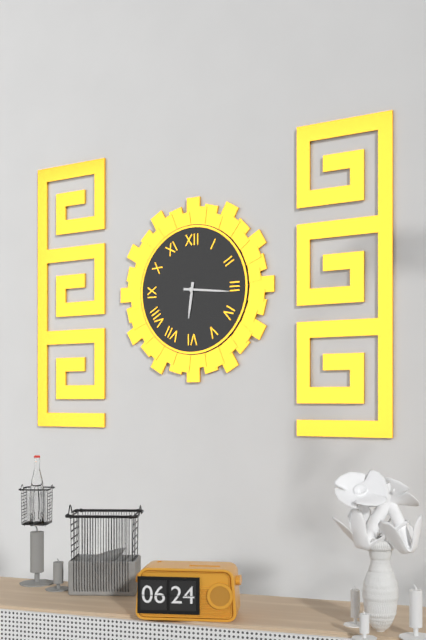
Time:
6.16
